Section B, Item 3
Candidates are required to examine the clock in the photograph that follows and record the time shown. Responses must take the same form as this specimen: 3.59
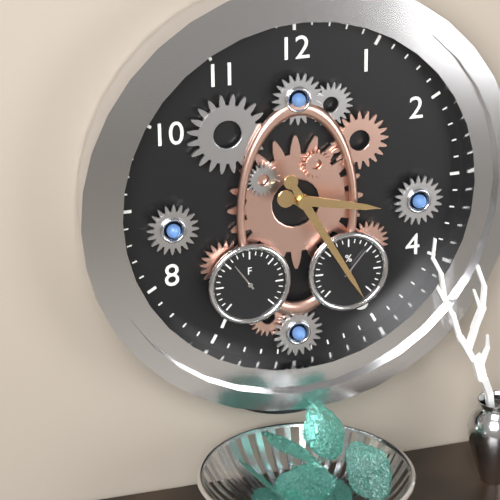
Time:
3.25
